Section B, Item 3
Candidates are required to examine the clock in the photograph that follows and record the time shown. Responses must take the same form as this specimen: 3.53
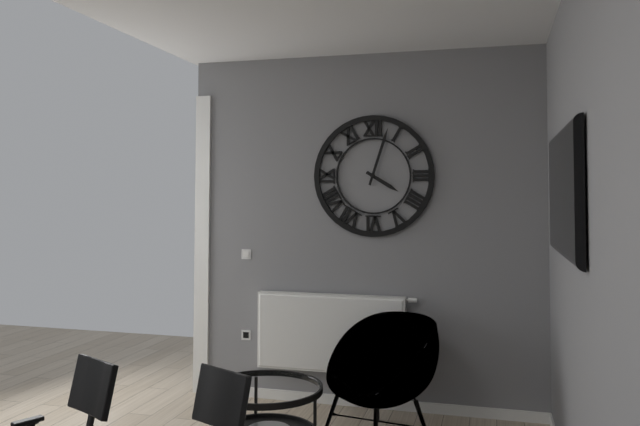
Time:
4.03
